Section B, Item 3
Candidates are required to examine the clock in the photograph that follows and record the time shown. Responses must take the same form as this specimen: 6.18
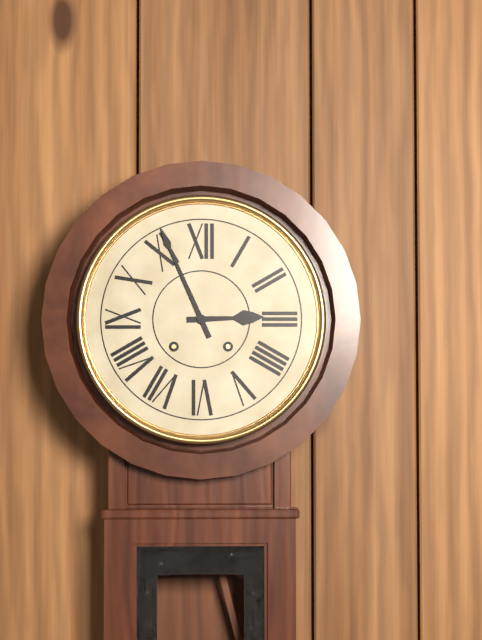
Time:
2.56
